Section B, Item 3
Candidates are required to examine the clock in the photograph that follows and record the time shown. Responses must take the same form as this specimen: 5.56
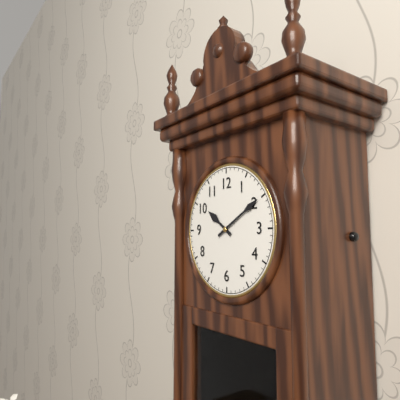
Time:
10.10
